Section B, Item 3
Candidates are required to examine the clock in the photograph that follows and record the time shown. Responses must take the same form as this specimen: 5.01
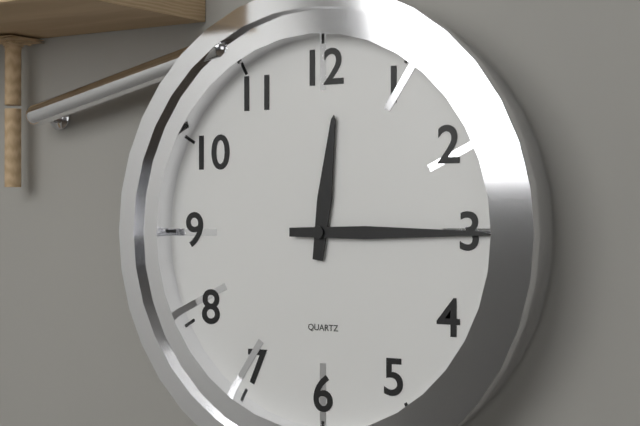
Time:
12.15
